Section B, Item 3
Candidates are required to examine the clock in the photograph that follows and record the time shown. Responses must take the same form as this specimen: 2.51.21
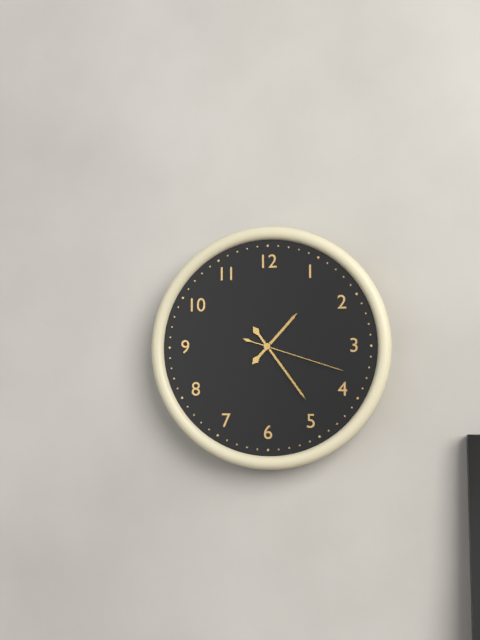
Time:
1.24.18
